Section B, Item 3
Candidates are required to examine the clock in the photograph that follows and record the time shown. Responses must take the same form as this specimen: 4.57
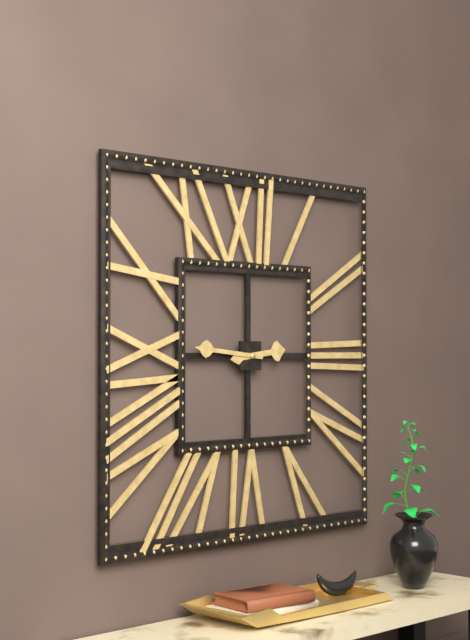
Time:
2.46
